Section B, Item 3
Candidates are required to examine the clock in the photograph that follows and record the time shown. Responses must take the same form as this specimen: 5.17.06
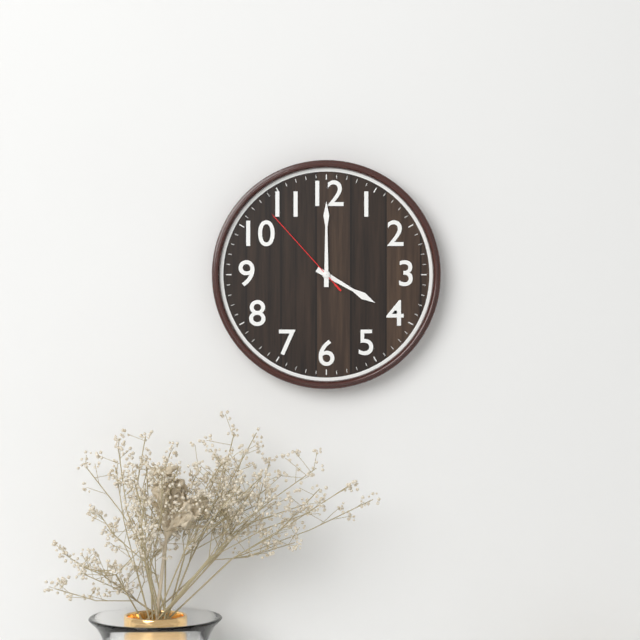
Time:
4.00.53
